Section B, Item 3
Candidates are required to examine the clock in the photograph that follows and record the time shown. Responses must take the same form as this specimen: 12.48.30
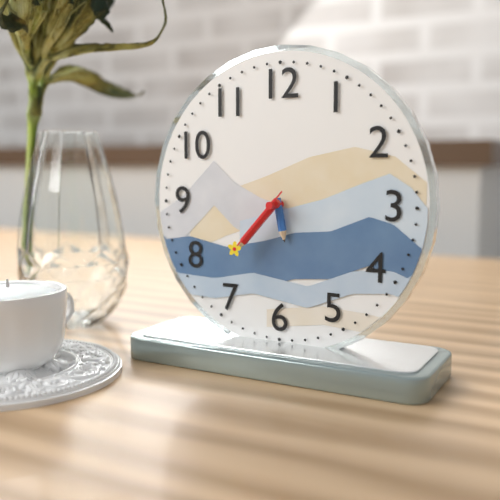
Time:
5.37.37
